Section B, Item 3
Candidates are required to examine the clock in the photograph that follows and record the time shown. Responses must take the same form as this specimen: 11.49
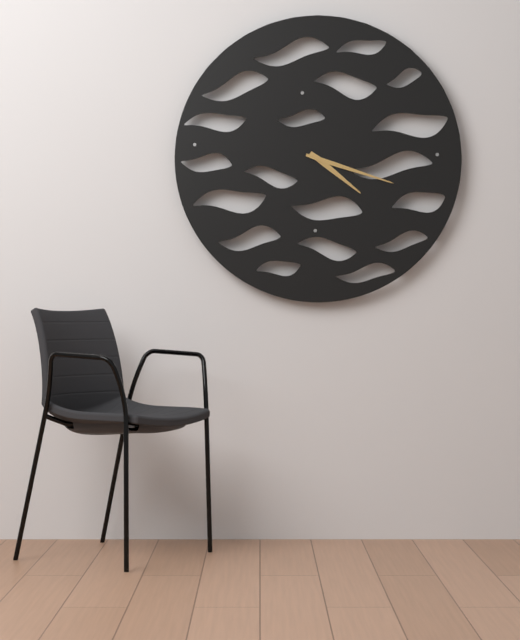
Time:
4.18
